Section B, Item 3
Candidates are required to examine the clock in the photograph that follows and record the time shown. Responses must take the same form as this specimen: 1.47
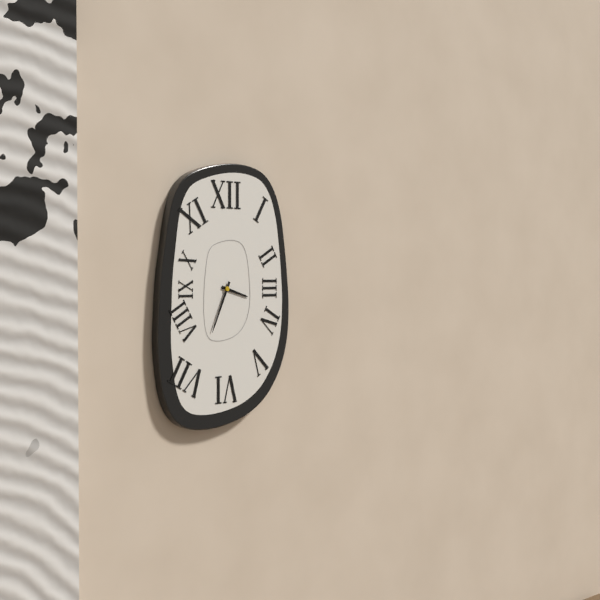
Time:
3.34
